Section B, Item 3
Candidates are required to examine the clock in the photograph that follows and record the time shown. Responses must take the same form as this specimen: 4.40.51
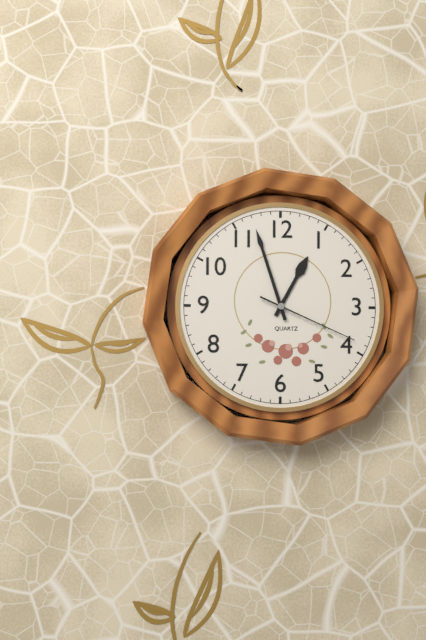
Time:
12.57.19
